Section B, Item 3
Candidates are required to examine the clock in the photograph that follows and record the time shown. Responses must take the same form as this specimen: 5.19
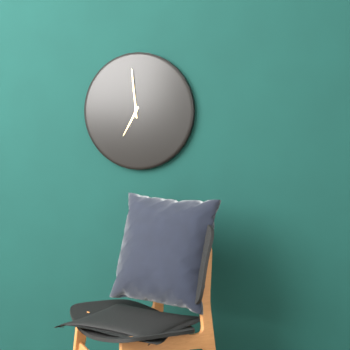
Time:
6.59
